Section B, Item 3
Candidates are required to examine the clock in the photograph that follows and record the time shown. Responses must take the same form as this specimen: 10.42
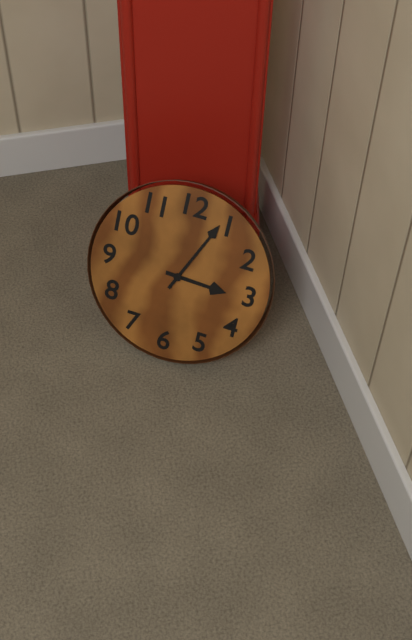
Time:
3.04
